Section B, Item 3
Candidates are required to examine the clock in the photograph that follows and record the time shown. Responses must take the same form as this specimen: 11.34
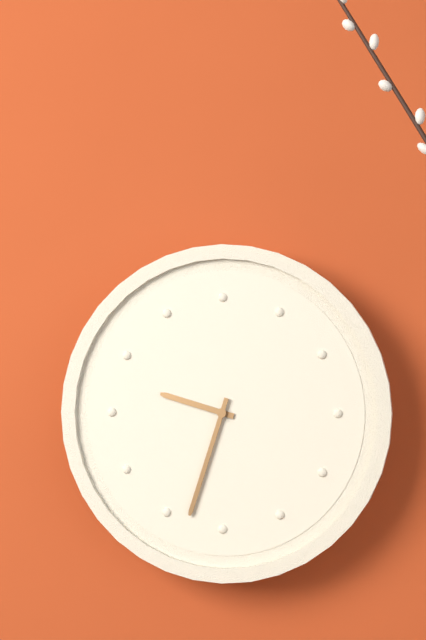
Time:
9.33
